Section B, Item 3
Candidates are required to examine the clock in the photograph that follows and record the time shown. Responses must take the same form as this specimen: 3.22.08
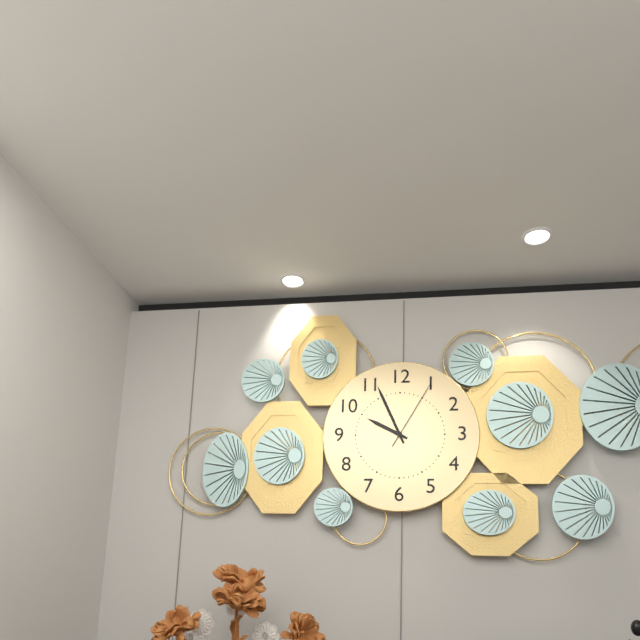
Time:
9.56.05
